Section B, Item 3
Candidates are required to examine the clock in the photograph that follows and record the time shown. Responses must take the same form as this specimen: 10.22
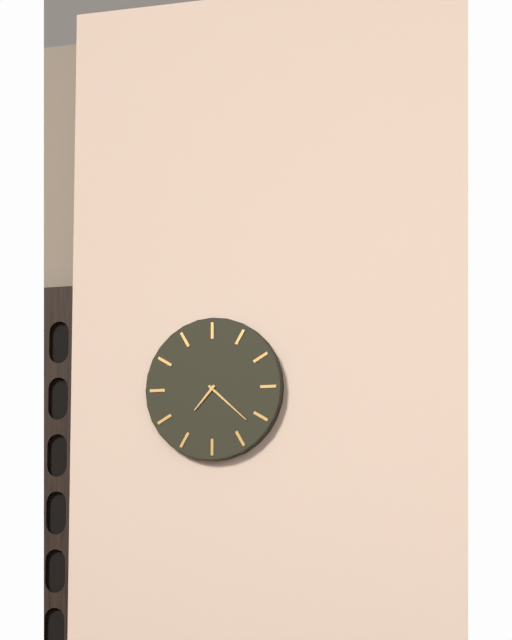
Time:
7.22
